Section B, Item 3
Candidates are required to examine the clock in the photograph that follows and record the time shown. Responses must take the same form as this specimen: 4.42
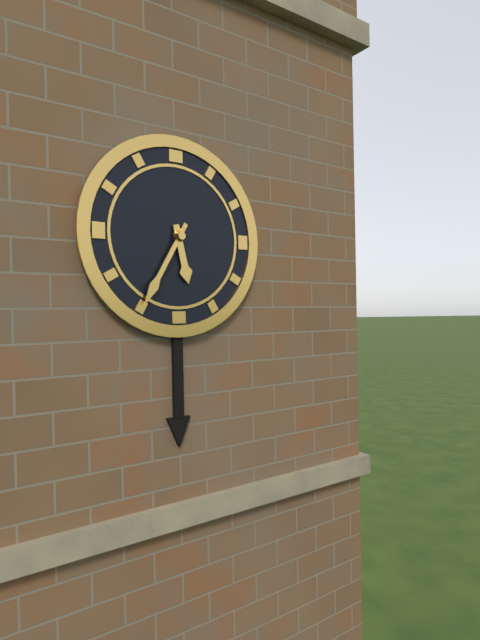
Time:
5.35
